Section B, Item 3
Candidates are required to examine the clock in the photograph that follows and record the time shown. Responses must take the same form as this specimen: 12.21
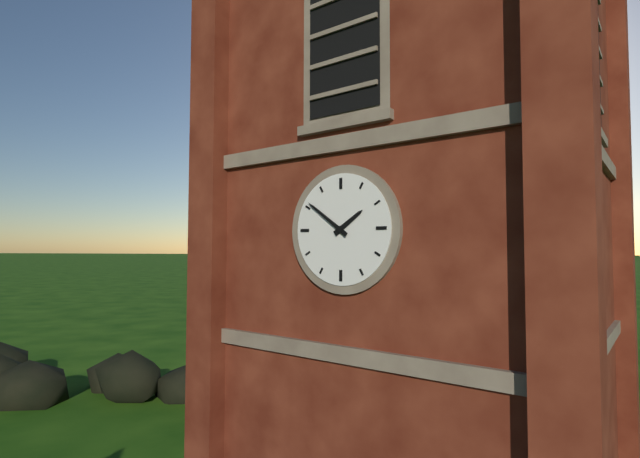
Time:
1.51
